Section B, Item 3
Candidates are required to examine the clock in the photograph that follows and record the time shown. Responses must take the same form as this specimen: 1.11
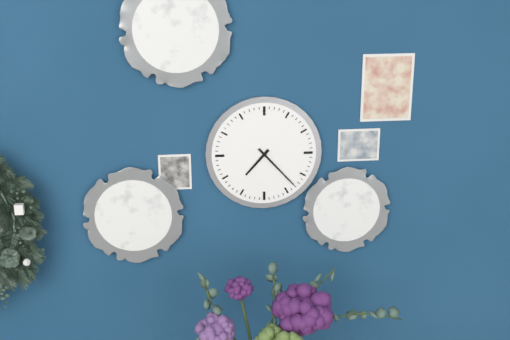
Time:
7.23
